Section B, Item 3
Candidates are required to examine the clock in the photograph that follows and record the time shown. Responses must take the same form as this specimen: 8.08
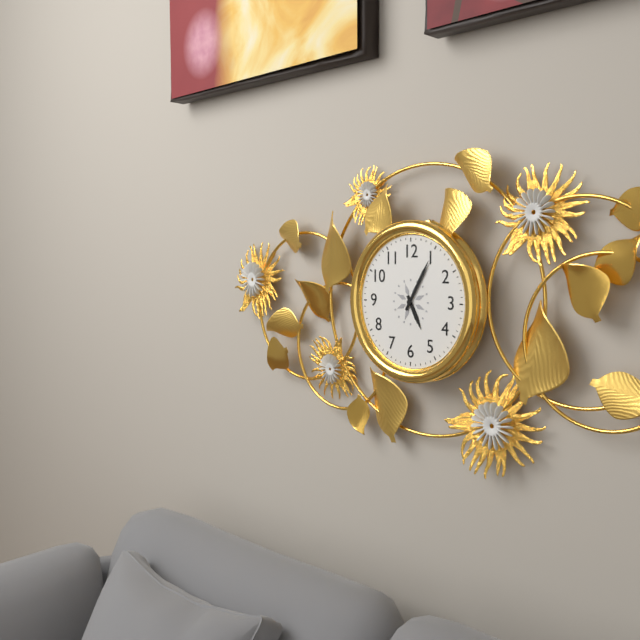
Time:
5.05
